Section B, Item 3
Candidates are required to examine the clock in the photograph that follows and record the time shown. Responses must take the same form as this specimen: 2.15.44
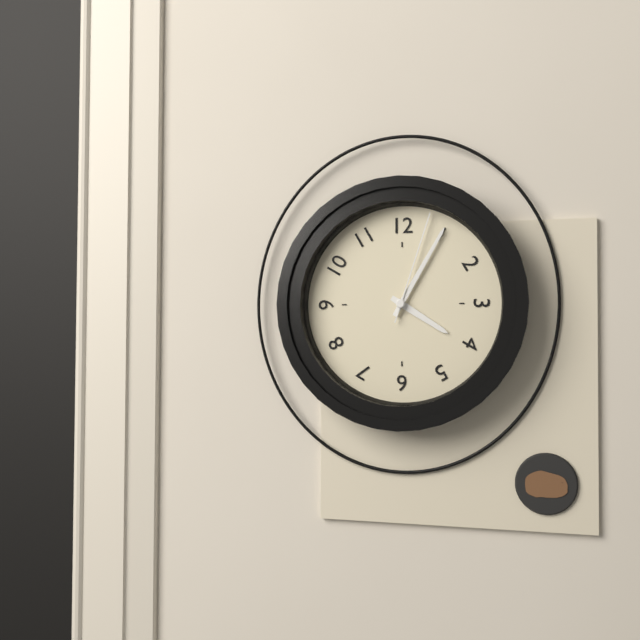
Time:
4.05.03
